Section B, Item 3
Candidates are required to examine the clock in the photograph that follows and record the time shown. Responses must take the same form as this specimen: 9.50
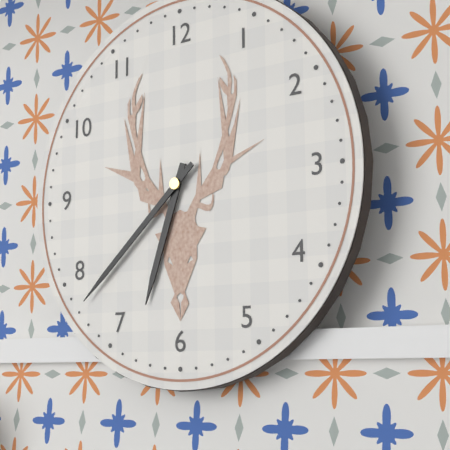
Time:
6.38
